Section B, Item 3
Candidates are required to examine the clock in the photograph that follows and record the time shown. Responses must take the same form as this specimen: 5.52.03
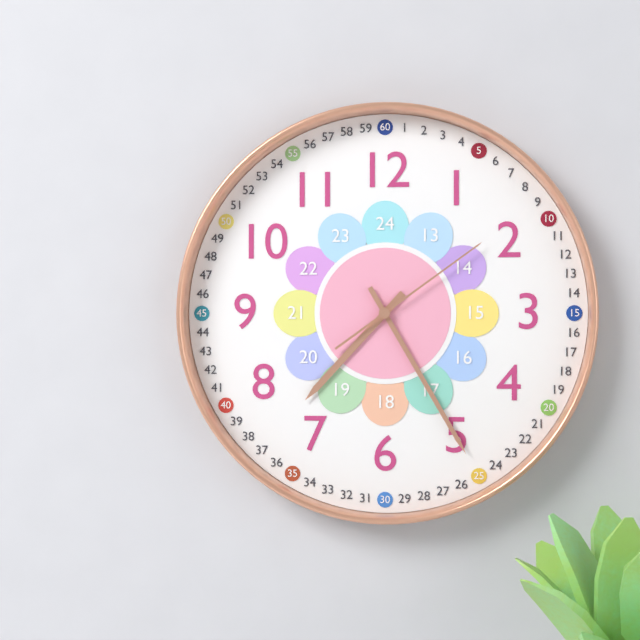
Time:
7.25.09
